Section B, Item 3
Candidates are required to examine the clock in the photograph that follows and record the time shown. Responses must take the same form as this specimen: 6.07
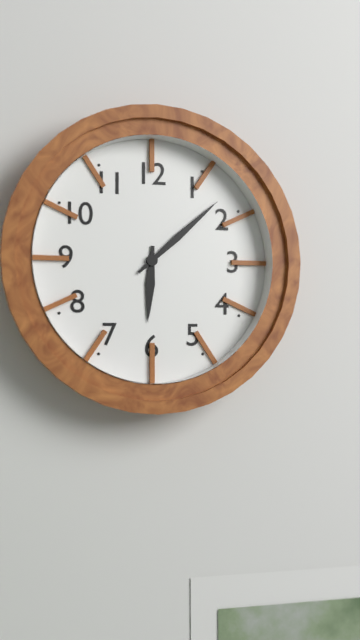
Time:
6.08
